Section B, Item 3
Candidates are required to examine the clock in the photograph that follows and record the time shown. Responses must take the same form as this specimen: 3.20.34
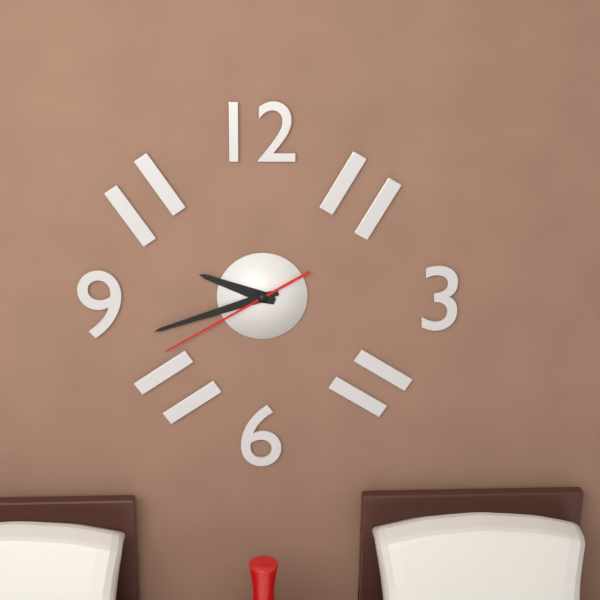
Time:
9.42.40
